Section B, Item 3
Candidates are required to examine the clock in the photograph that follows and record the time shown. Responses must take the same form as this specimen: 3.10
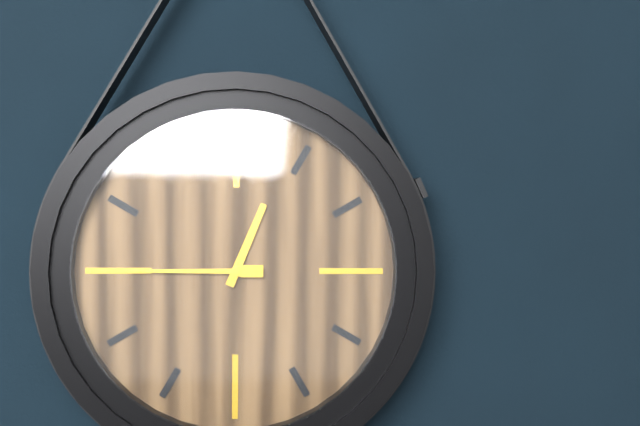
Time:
12.45
